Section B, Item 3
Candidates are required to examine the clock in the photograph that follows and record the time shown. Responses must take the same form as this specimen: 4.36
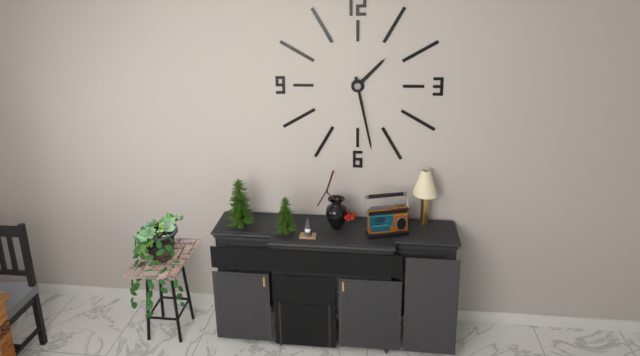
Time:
1.28
